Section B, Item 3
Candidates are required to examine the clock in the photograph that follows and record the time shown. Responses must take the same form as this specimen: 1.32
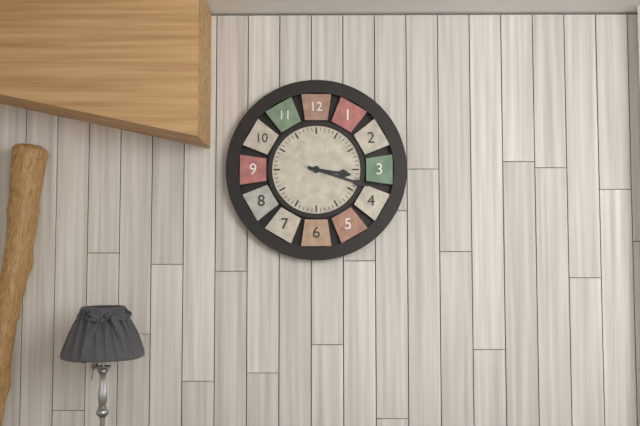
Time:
3.18
